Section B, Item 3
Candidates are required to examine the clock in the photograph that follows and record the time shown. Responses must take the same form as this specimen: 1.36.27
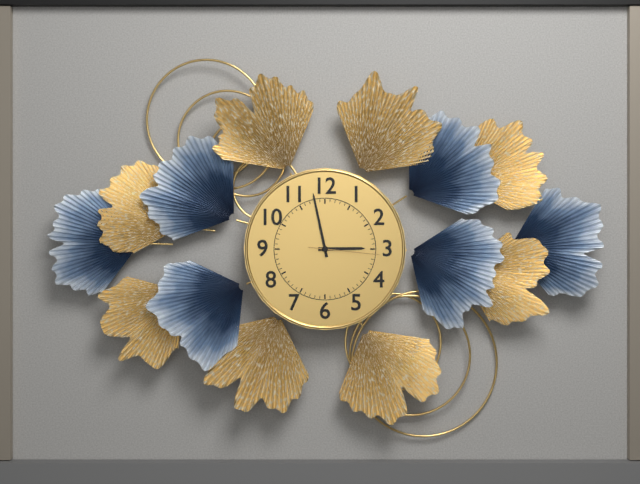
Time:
2.58.16
